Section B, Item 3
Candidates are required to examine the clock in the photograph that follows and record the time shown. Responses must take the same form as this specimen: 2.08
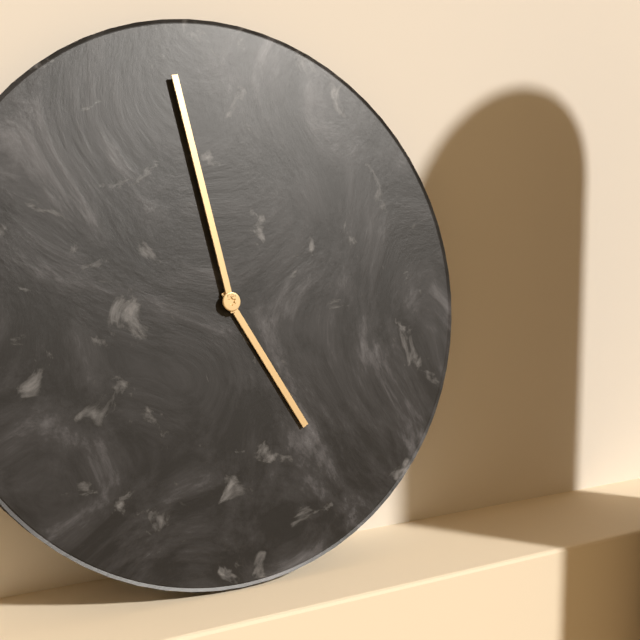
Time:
4.58
